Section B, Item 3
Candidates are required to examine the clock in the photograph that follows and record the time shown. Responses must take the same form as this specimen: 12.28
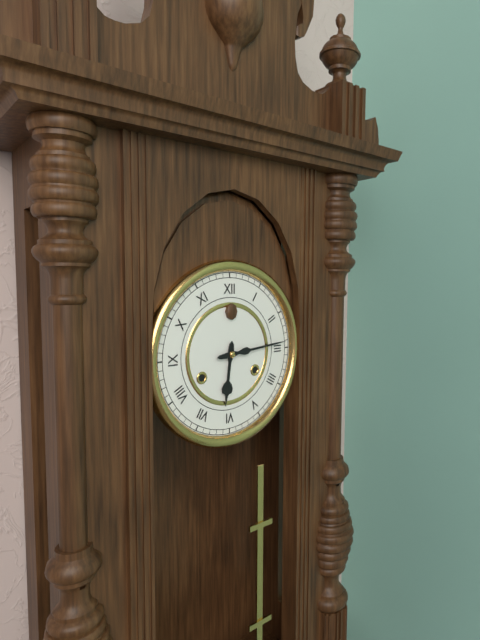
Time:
6.14
